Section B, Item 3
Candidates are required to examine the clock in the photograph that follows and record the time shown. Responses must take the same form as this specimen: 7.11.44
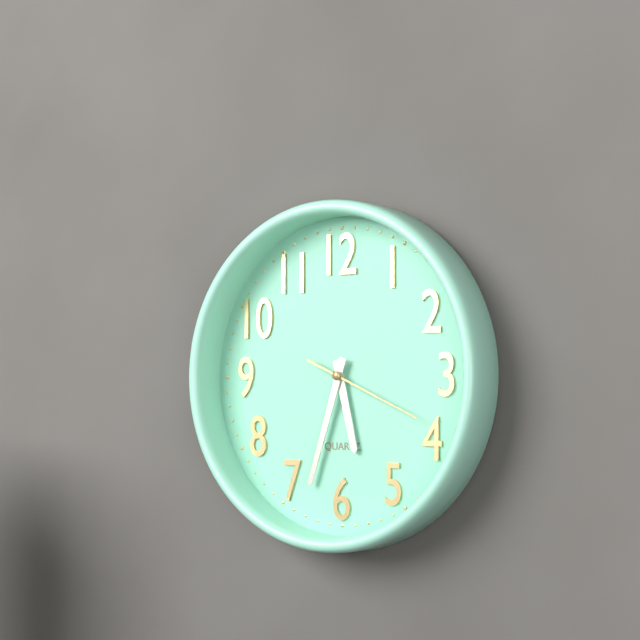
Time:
5.33.19
